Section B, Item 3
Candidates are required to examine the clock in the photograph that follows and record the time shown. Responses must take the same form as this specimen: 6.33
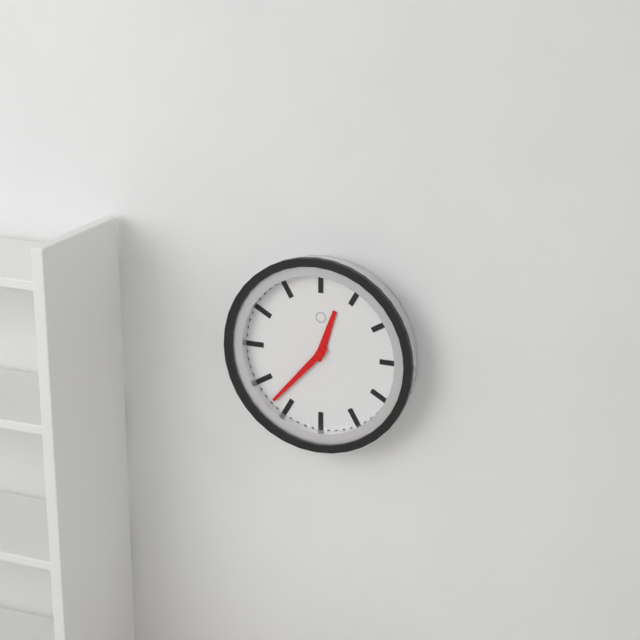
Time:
12.37
